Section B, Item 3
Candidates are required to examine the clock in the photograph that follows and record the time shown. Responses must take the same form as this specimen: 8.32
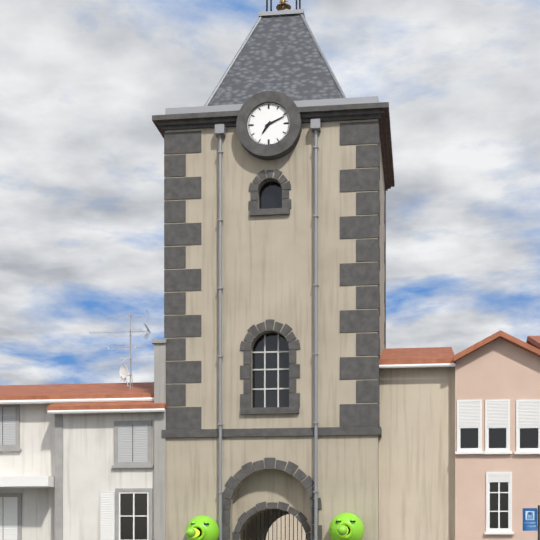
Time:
7.11
